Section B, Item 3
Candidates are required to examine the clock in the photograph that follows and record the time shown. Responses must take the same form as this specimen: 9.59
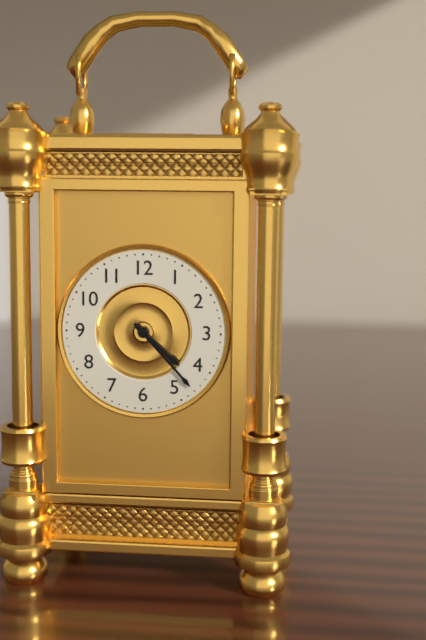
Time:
4.23
